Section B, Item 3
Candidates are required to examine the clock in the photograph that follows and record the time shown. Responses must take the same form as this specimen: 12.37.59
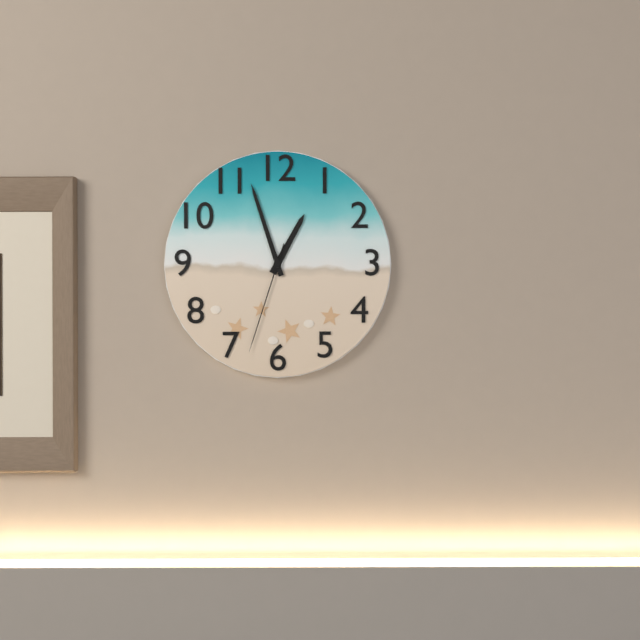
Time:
12.57.33
